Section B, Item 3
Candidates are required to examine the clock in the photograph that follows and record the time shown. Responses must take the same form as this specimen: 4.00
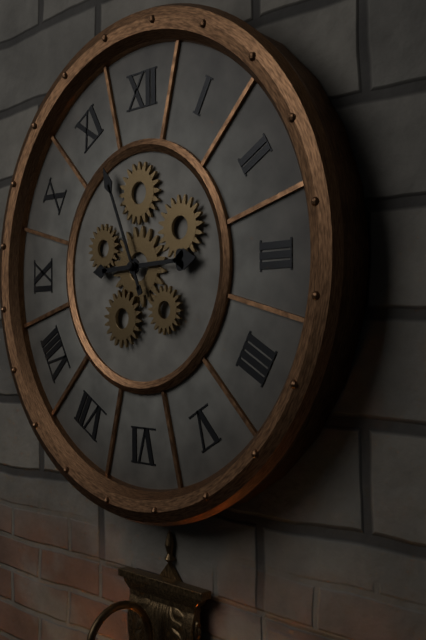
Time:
2.56
